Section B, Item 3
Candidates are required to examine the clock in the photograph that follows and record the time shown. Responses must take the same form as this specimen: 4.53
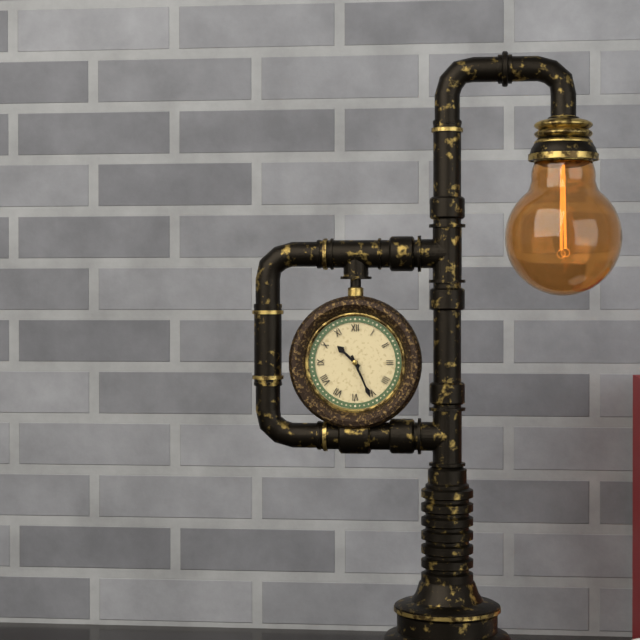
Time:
10.26
